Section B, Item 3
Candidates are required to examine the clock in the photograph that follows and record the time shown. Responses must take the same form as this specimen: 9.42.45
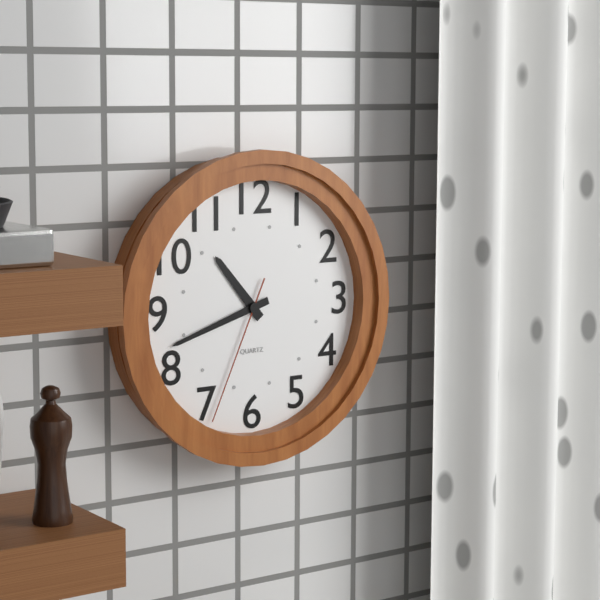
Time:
10.42.34
